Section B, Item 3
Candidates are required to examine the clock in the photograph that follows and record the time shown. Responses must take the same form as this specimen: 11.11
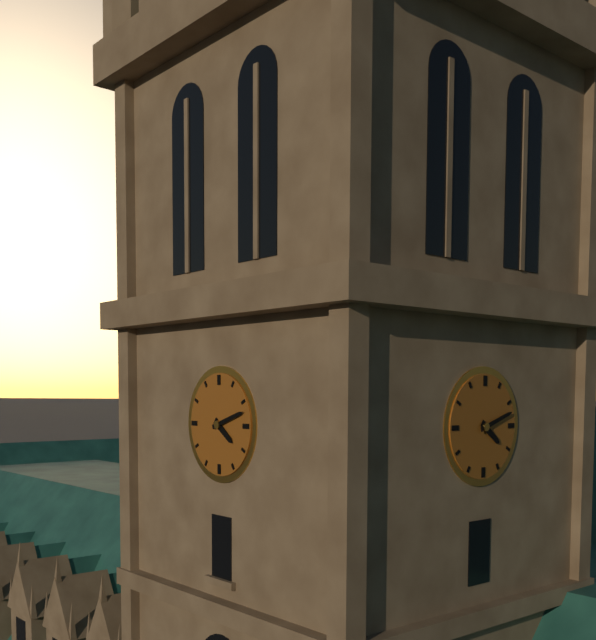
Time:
4.12
